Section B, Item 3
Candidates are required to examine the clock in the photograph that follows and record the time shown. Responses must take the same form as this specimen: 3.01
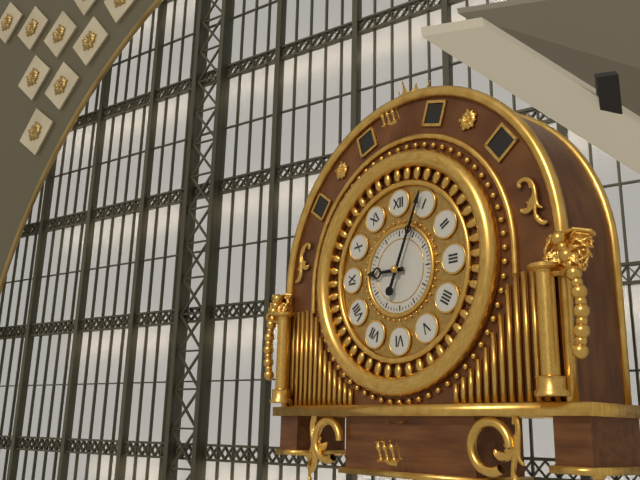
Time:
9.04
